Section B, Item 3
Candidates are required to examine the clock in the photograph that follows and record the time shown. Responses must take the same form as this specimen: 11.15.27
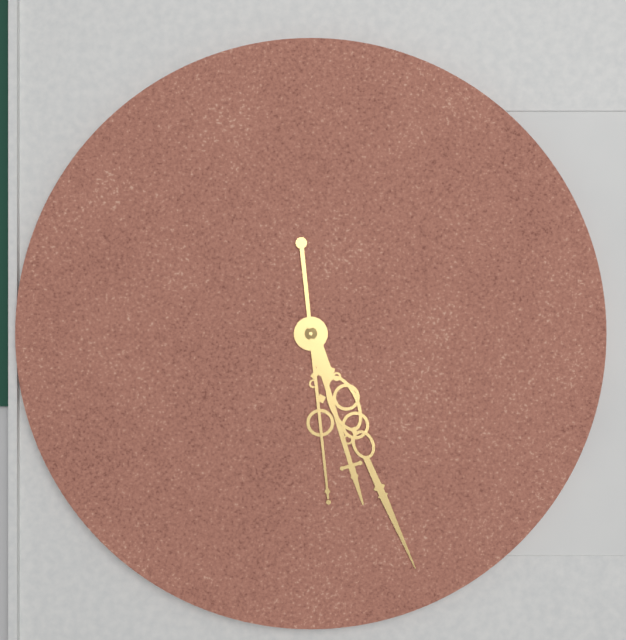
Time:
5.26.29
